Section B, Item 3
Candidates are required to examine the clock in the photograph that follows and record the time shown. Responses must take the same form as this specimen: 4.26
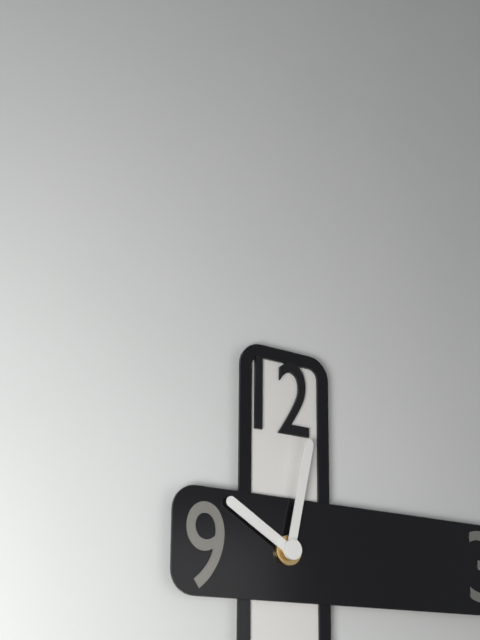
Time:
10.02
